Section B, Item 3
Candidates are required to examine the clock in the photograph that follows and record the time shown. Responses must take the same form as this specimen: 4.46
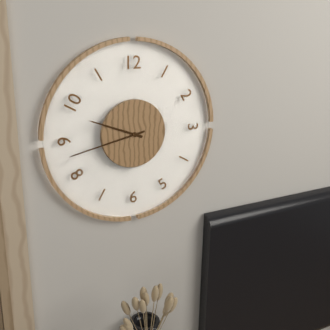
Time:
9.43
